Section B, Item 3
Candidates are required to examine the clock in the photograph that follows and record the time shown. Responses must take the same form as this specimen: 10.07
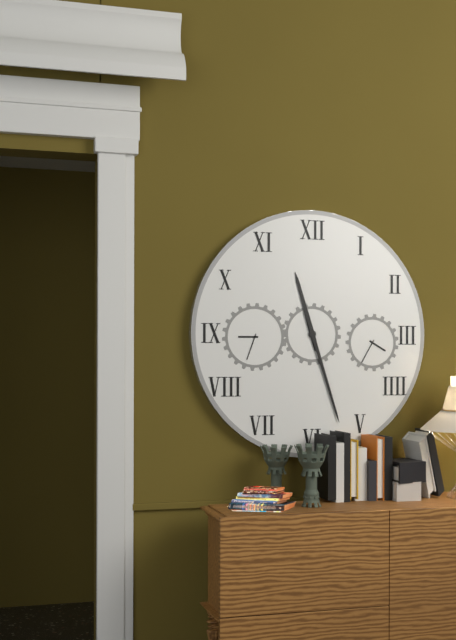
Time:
11.27
